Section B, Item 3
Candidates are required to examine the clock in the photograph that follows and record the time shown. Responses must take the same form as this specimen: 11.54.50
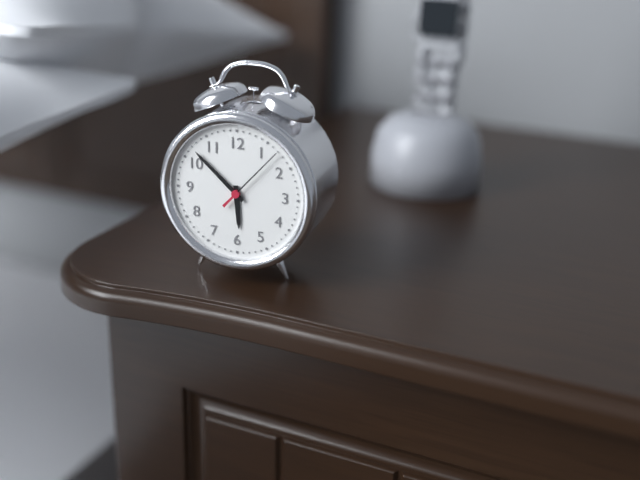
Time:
5.52.07
